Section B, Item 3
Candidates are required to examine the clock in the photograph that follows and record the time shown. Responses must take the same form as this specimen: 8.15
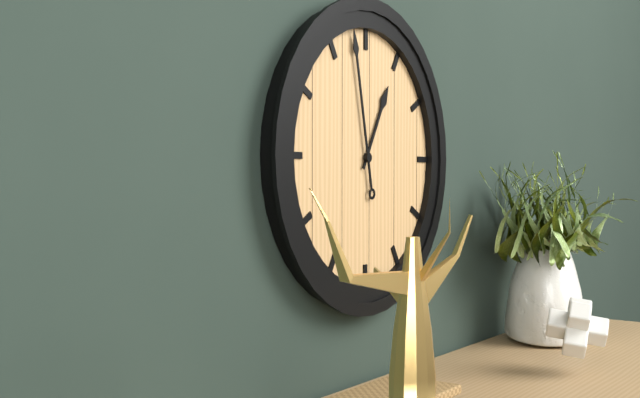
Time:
12.58
